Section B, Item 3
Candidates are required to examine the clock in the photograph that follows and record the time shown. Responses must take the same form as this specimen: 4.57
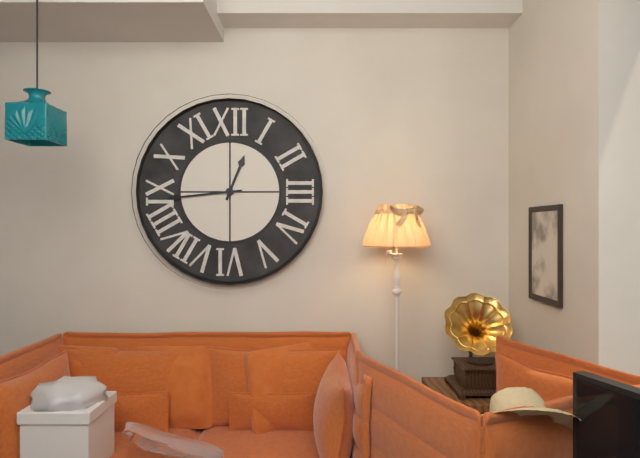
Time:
12.44
